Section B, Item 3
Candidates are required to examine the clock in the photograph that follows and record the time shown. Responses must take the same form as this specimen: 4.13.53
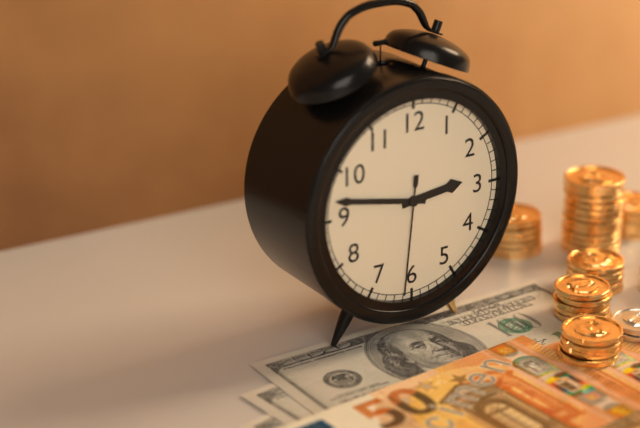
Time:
2.47.31
